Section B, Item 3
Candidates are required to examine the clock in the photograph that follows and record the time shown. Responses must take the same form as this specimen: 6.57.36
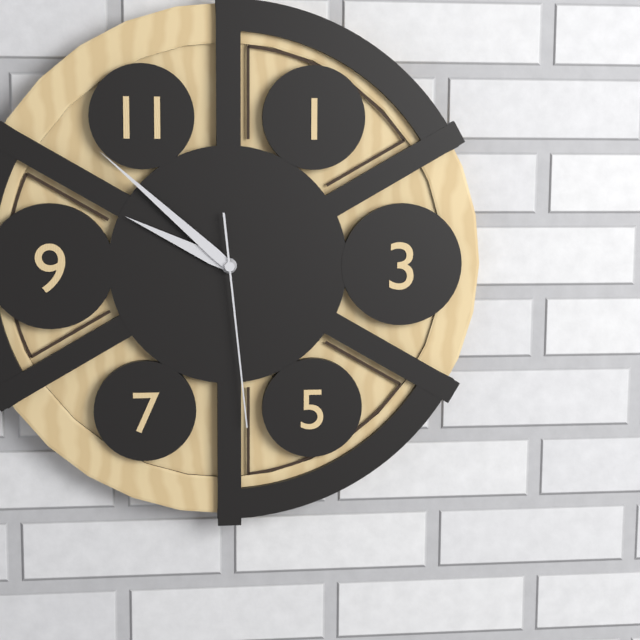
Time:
9.52.29
